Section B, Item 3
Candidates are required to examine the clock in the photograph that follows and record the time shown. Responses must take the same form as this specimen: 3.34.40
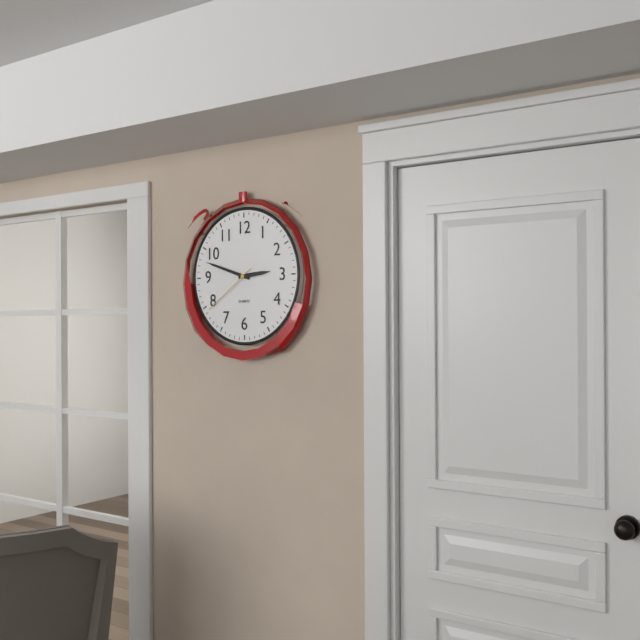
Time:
2.48.39
